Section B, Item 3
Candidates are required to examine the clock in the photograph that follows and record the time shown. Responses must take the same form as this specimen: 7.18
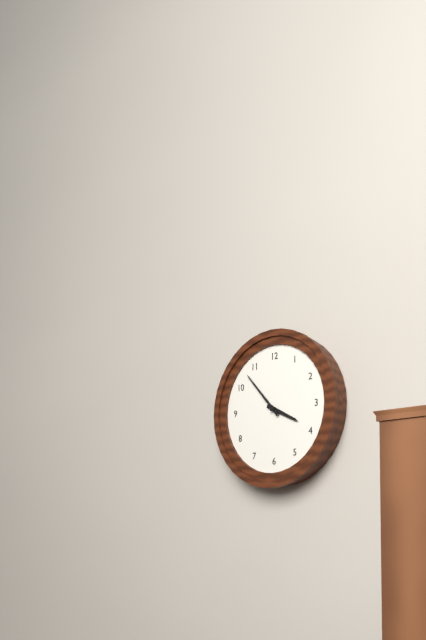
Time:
3.53
